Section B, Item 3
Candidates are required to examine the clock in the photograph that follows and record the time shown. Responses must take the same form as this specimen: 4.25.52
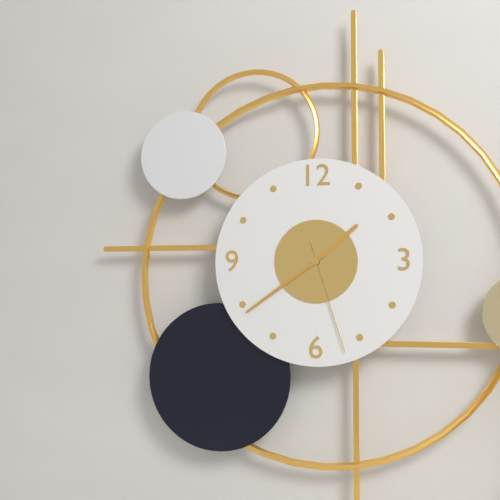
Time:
1.39.27
